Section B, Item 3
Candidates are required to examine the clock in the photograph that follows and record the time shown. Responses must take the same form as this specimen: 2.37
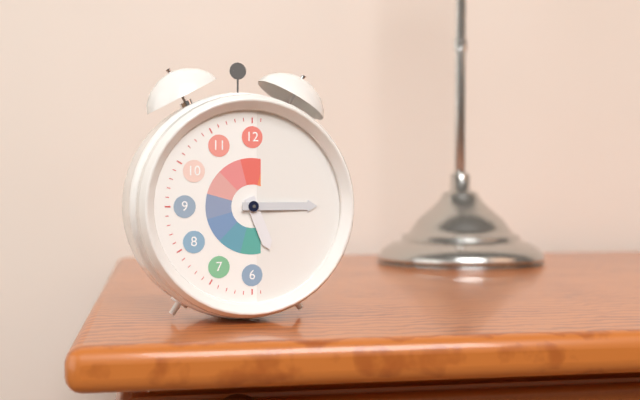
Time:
5.15
